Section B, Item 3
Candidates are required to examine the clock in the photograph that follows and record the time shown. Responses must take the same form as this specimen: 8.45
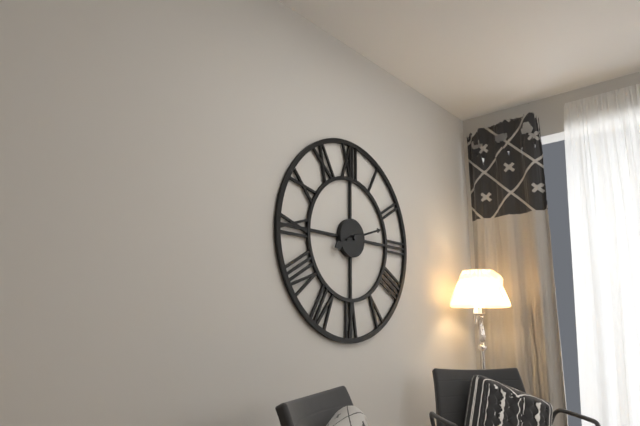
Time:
8.12
